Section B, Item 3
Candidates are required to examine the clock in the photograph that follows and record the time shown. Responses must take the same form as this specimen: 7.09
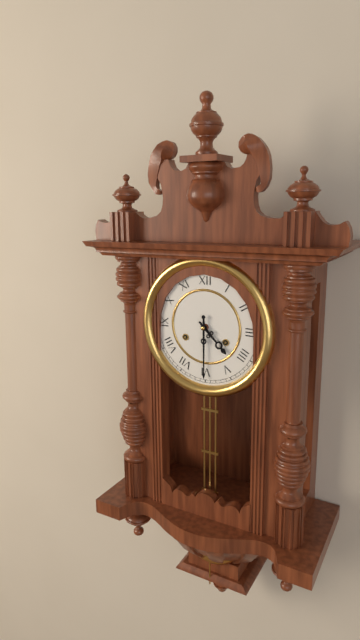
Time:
4.30
